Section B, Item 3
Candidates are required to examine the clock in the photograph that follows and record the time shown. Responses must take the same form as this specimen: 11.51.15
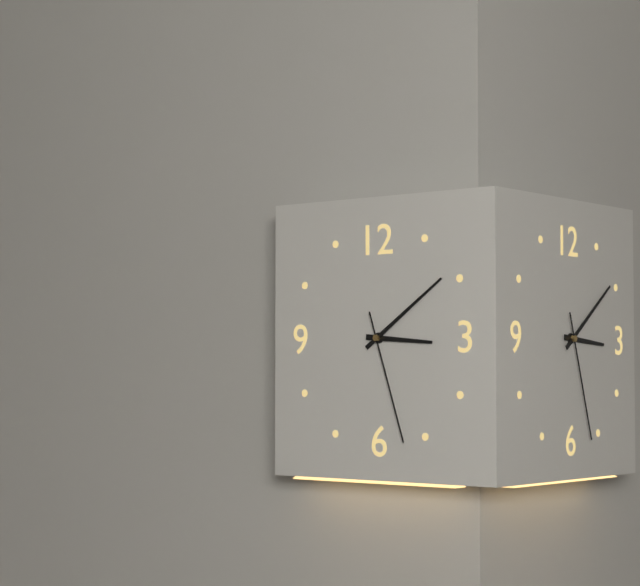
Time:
3.09.27
